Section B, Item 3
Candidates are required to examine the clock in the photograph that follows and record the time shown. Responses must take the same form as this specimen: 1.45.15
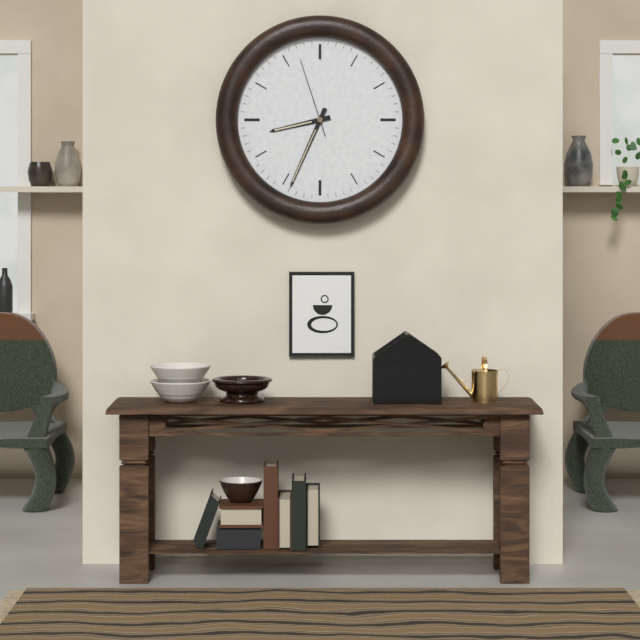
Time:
8.34.57
